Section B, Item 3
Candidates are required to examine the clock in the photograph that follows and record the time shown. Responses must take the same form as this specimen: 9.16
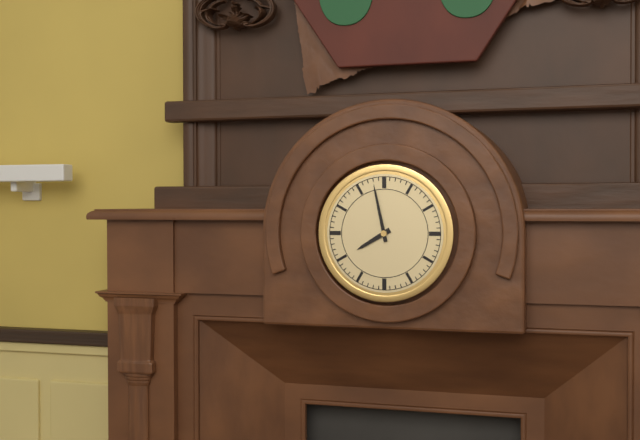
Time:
7.58
